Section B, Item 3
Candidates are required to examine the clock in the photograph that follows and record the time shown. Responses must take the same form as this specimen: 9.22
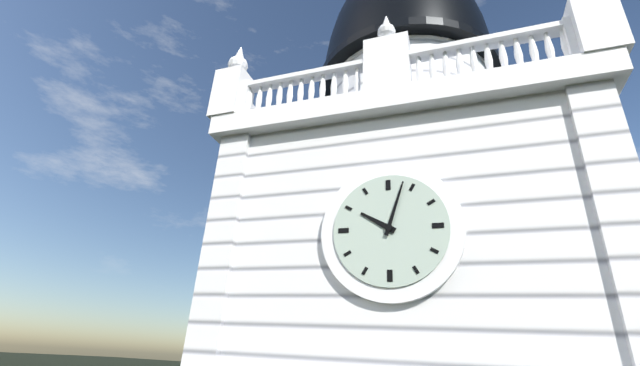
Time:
10.03
